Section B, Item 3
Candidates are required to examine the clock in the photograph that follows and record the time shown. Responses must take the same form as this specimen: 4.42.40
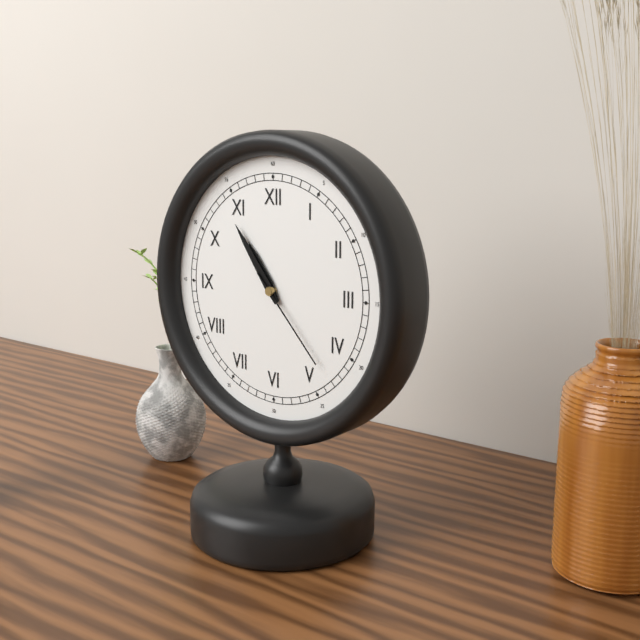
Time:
10.54.23
